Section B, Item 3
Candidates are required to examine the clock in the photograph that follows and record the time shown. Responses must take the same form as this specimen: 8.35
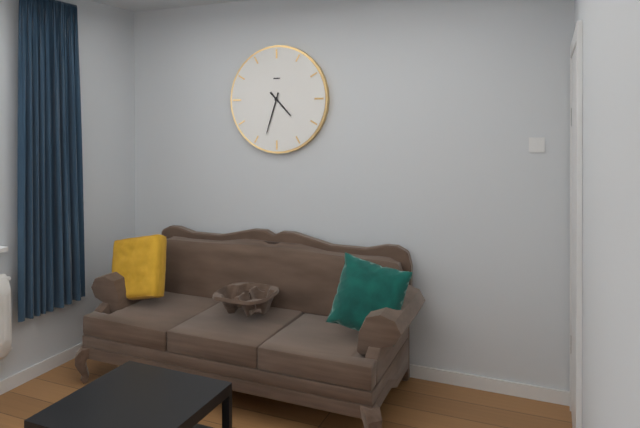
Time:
4.33
